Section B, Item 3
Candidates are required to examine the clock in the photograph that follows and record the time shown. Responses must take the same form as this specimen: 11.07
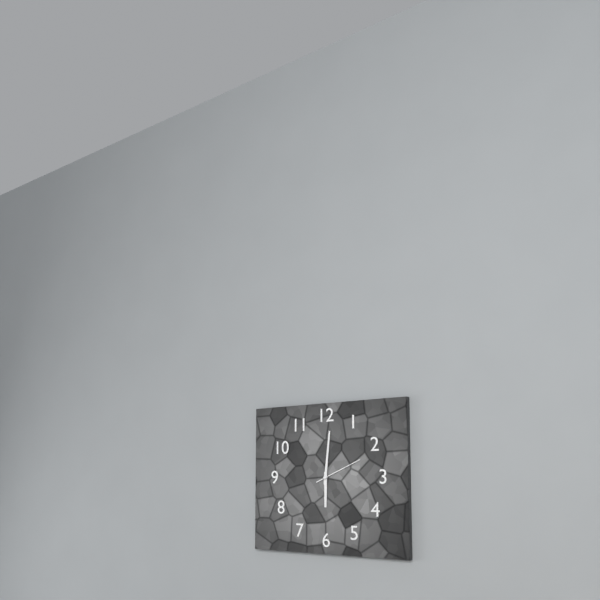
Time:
6.01
